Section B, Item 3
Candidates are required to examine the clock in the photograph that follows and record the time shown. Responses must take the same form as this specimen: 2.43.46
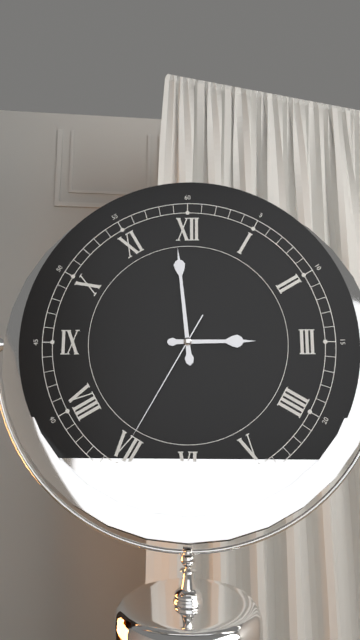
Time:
2.59.35
